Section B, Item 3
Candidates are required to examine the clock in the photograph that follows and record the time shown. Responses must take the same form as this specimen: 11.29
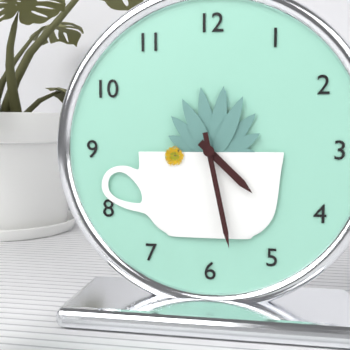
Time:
4.28
